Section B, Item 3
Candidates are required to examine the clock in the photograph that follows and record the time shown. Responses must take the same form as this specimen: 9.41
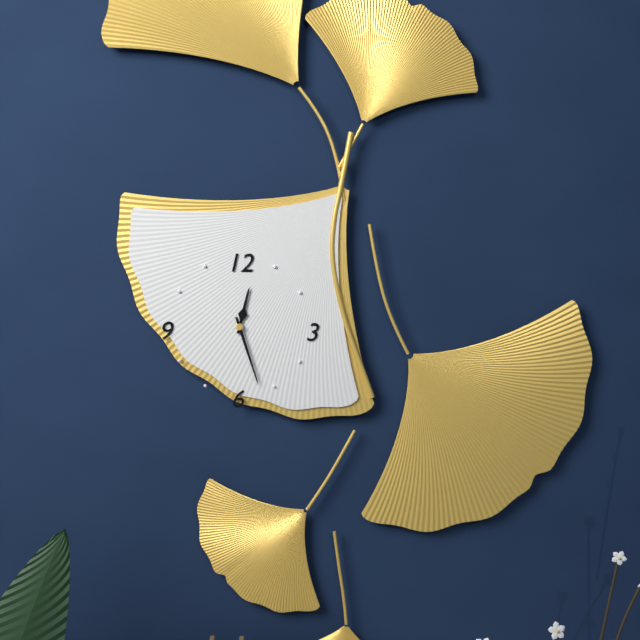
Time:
12.27
